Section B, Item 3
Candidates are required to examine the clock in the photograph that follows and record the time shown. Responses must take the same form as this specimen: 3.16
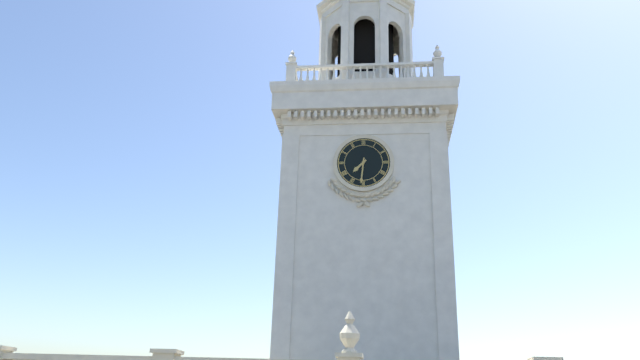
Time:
7.31
